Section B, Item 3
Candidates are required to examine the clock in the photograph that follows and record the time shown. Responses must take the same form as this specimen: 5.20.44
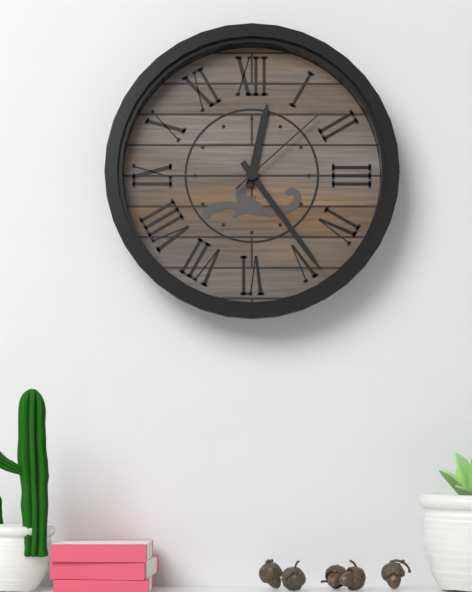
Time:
12.24.08
